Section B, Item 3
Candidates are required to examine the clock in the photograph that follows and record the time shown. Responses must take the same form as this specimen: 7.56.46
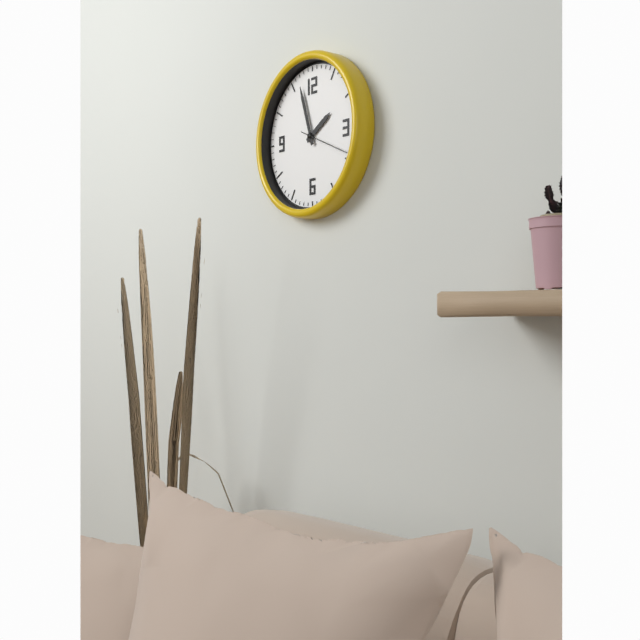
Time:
1.57.19
